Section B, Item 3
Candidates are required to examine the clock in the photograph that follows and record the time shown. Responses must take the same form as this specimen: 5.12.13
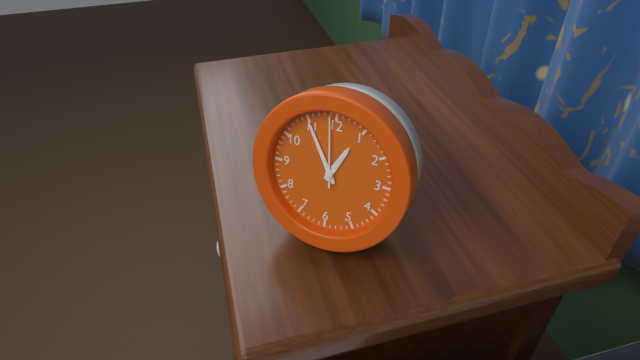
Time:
12.55.59
